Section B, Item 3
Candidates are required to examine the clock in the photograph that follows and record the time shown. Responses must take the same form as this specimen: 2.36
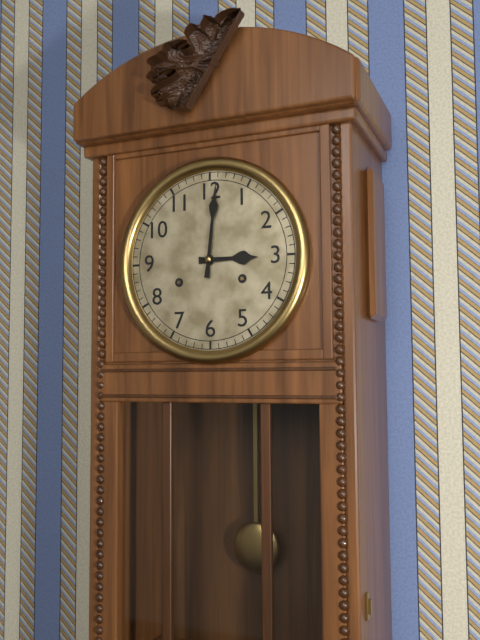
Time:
3.01
